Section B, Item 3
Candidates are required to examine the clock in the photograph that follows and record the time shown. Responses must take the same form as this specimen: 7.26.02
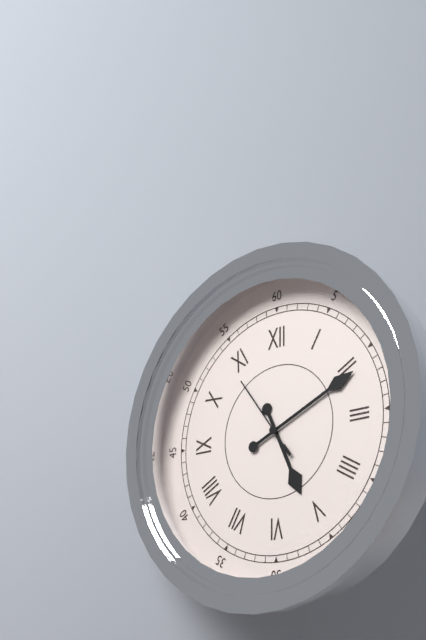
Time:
5.11.54
